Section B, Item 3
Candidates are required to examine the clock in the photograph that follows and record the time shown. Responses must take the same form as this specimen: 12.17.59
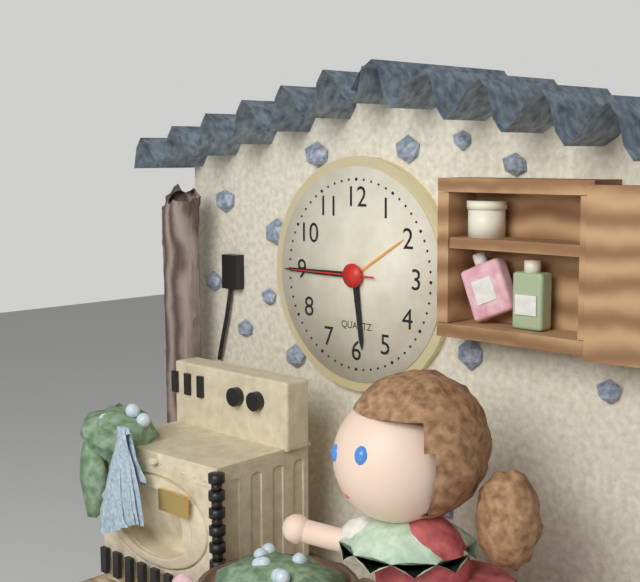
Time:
5.45.45
